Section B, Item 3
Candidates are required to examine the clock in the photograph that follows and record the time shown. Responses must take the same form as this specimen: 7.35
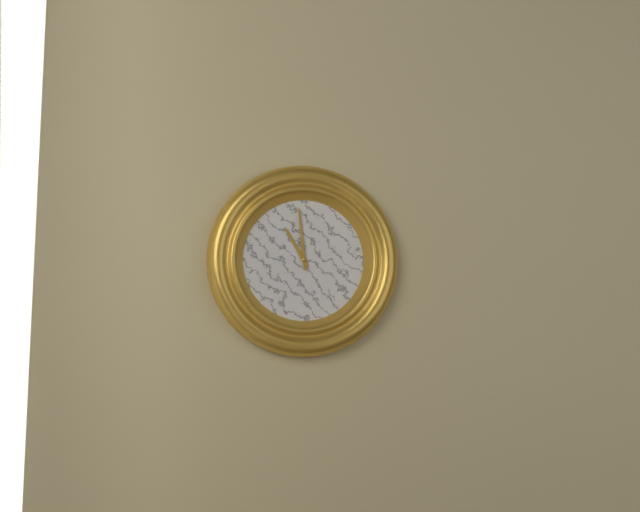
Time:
10.59
